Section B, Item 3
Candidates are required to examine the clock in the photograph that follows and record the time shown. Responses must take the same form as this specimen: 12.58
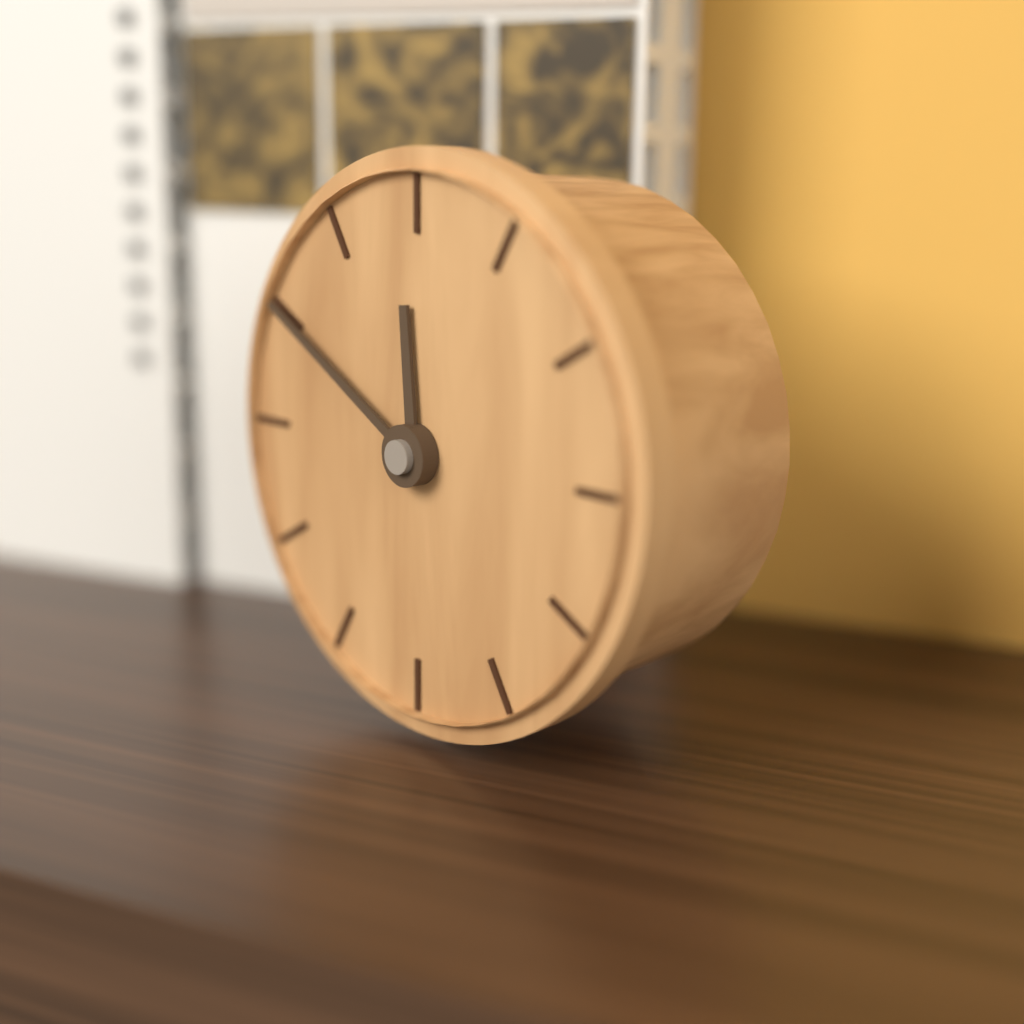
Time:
11.50
